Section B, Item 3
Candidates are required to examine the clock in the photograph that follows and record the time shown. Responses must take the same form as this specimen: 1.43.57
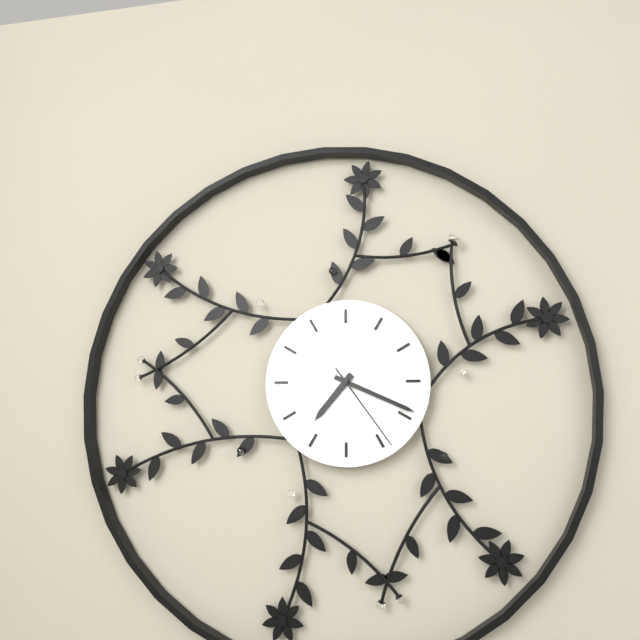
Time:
7.19.24
